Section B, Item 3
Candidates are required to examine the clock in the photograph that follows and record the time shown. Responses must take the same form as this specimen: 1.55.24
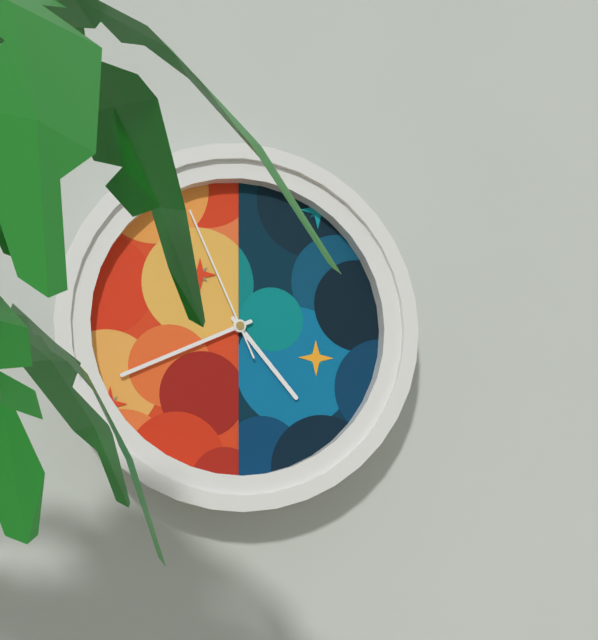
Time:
4.41.56
